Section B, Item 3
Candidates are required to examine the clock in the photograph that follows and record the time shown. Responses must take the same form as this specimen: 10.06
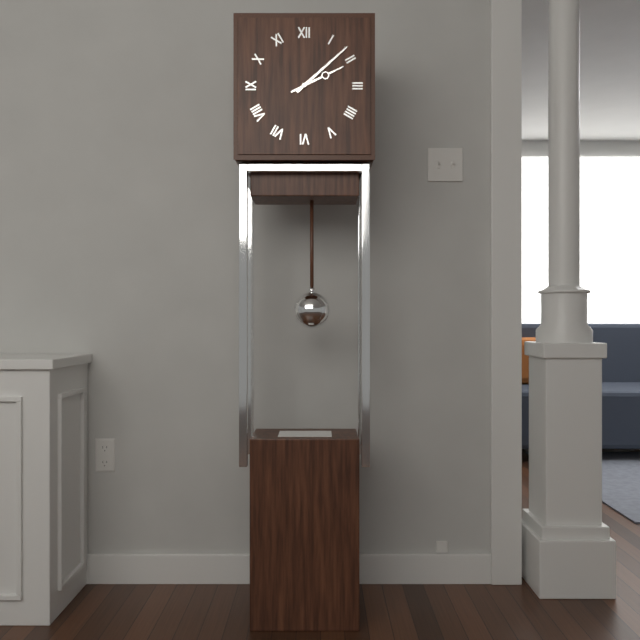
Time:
2.08
